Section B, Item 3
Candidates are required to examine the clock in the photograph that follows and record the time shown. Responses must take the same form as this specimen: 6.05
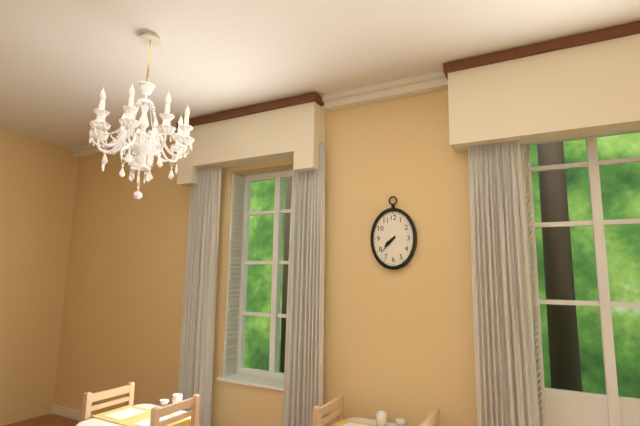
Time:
7.37
